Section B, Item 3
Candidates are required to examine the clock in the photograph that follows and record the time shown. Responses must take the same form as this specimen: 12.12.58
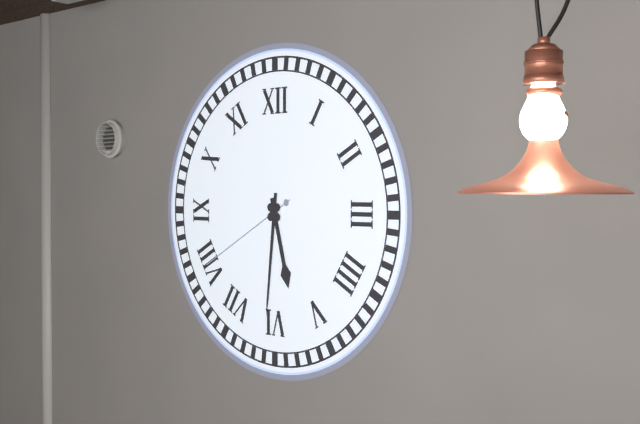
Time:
5.31.40
